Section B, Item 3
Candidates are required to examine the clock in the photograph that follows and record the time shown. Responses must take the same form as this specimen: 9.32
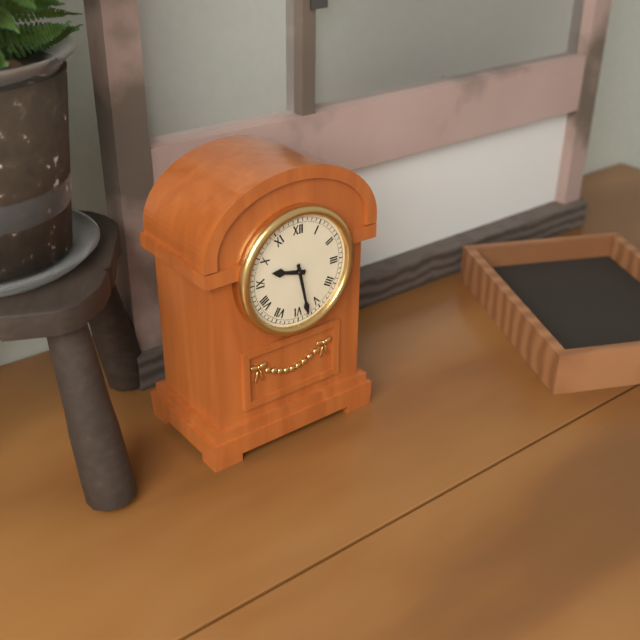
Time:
9.28
